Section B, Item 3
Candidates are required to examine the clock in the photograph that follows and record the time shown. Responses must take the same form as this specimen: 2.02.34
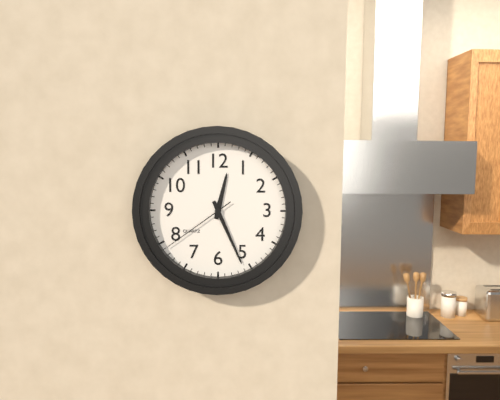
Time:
12.26.39
